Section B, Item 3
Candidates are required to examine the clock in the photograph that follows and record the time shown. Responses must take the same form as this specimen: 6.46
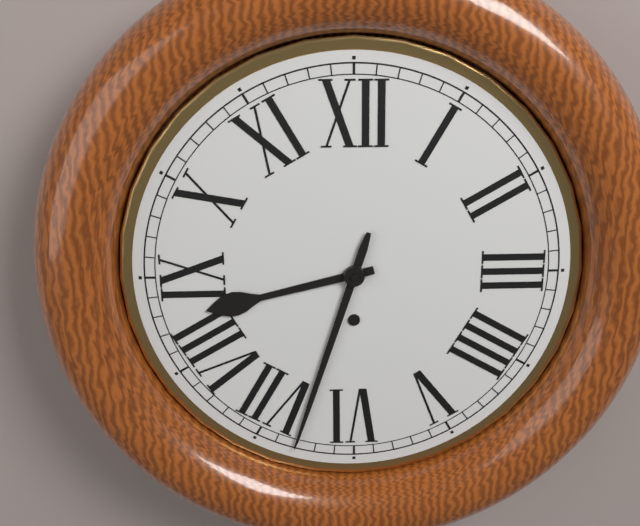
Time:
8.33
